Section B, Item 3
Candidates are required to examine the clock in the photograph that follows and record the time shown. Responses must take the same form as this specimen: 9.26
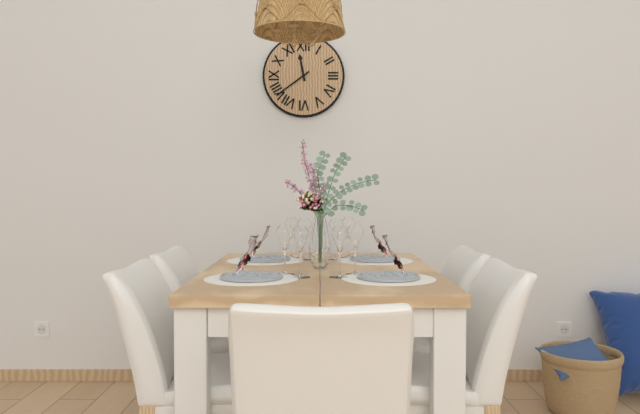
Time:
11.39
